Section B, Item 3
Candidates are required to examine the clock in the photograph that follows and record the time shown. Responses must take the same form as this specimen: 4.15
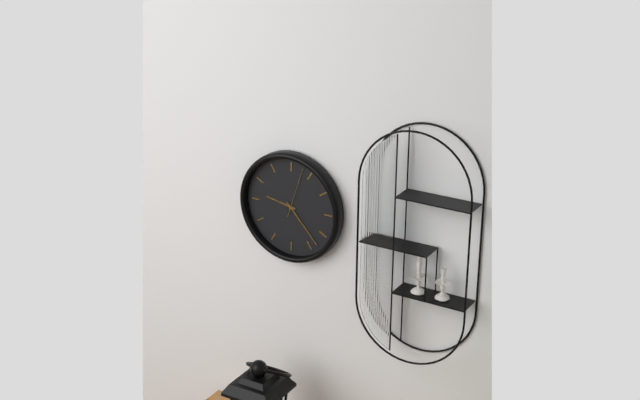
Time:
9.23
